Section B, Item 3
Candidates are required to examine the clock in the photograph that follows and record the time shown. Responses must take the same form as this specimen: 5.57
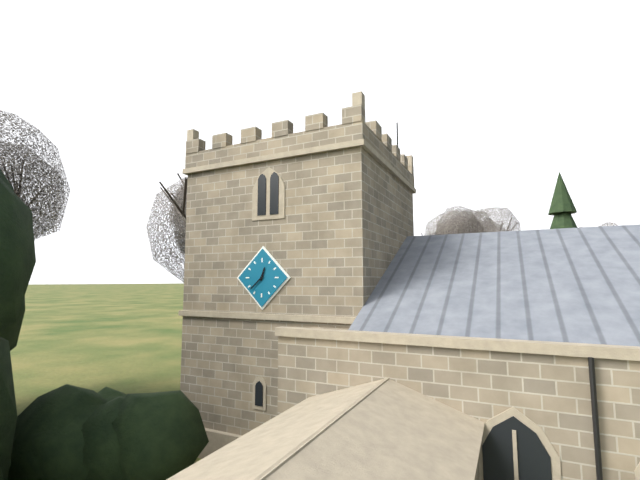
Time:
12.38
